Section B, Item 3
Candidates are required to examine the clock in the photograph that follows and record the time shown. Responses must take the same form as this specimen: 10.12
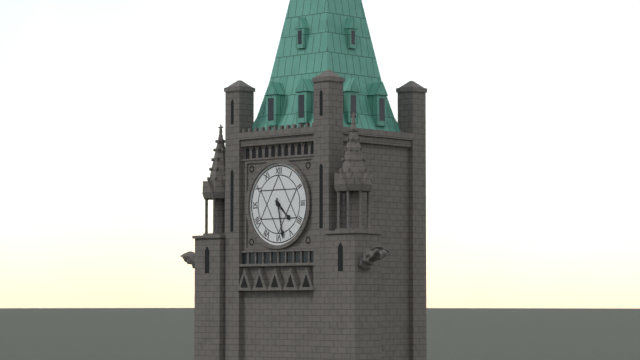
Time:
4.28
